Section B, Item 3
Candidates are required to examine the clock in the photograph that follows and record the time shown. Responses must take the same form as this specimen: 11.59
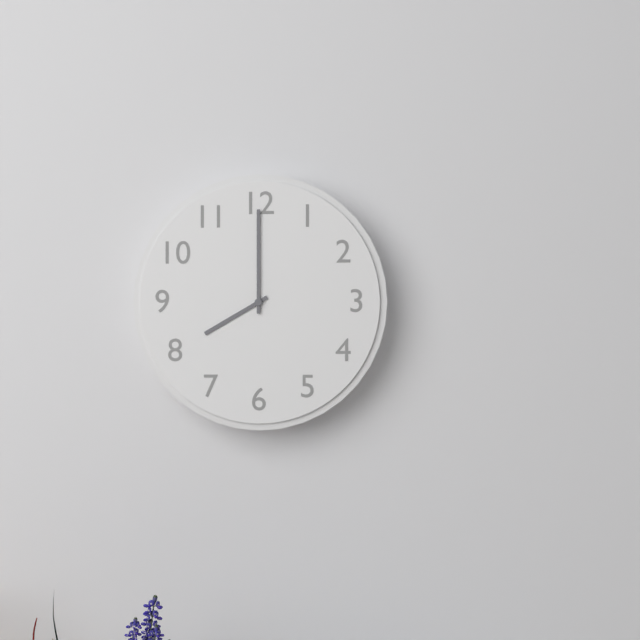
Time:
8.00
